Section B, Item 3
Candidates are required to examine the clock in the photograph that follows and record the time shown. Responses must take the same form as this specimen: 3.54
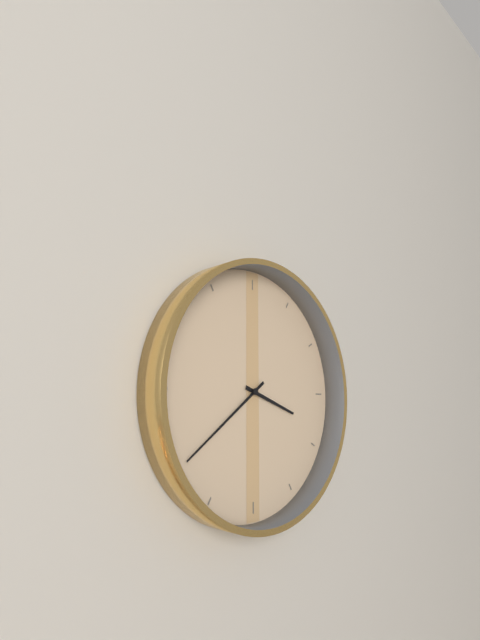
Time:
3.39
